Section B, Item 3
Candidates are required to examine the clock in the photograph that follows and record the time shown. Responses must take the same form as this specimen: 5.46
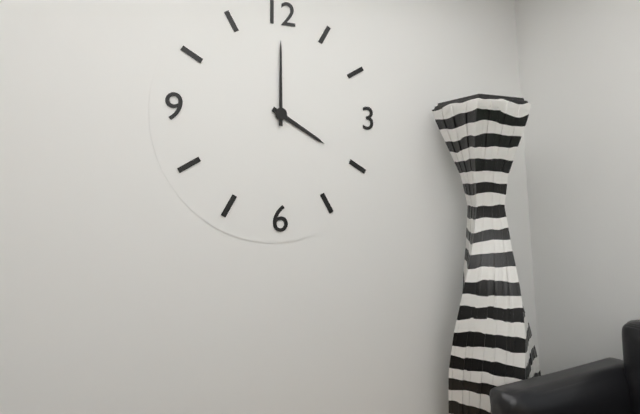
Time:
4.00
